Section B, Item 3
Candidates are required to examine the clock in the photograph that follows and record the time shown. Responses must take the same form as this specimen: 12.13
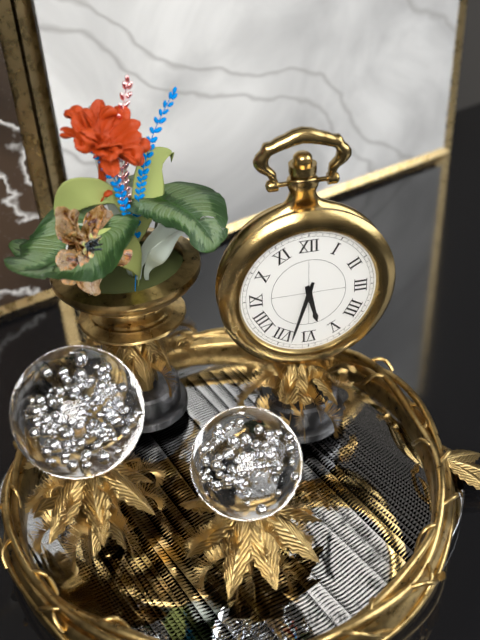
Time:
5.33
